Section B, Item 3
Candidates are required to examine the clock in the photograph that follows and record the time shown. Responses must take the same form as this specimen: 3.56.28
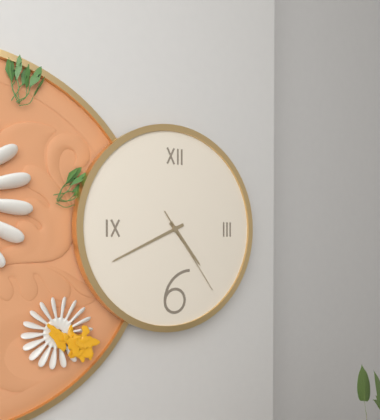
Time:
4.41.24
